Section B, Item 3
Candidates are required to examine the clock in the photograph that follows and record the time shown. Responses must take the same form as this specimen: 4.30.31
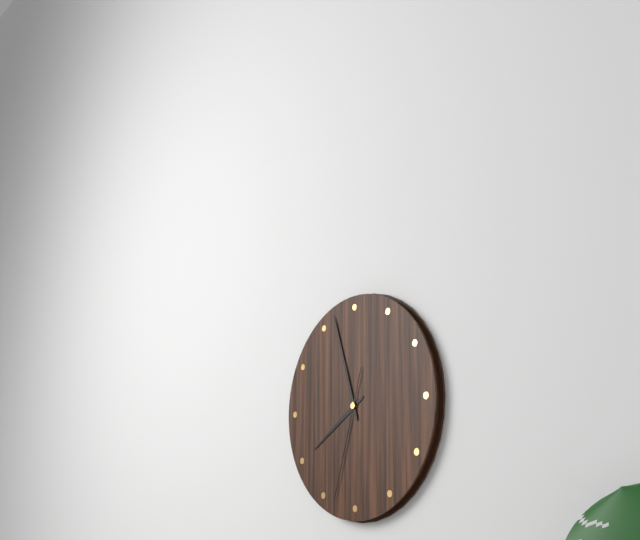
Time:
7.57.33
